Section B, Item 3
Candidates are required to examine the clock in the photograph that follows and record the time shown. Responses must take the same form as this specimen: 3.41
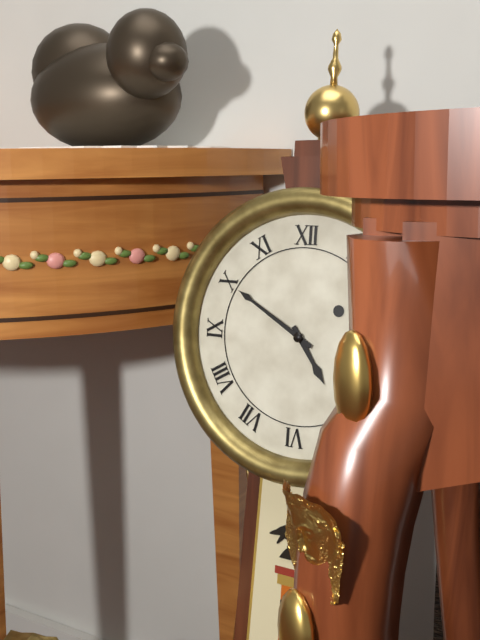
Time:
4.50
